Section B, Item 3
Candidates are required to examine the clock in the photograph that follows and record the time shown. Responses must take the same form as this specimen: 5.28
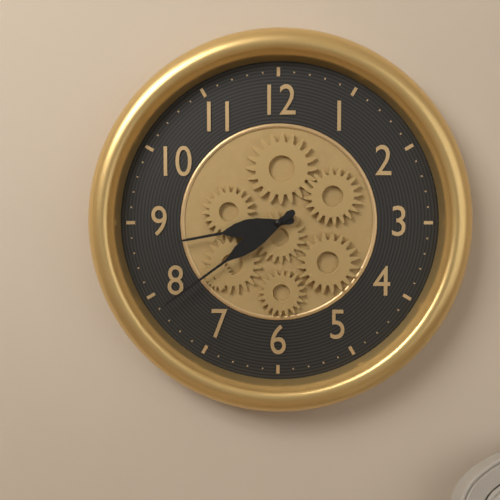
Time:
8.39
